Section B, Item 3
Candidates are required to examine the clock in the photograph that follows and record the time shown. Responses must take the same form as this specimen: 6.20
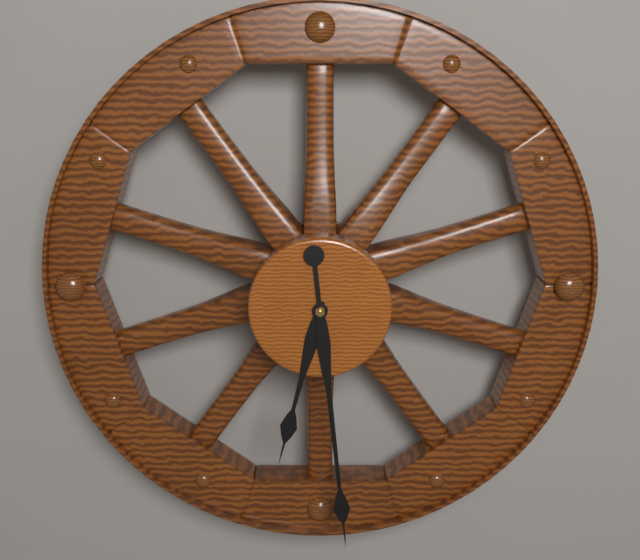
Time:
6.29
